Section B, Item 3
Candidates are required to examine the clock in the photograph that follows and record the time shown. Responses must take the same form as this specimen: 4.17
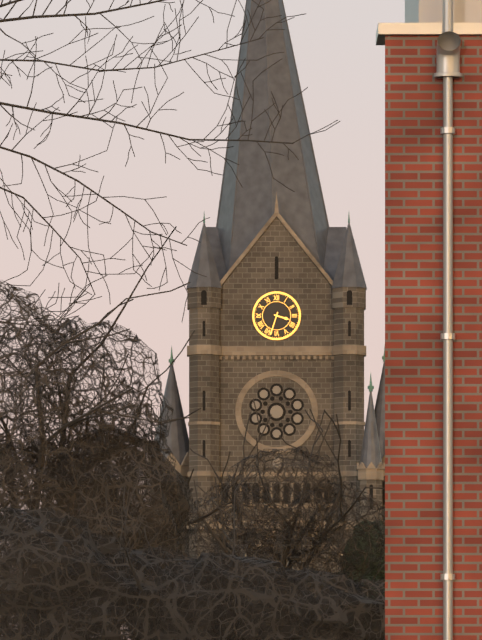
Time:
3.33
